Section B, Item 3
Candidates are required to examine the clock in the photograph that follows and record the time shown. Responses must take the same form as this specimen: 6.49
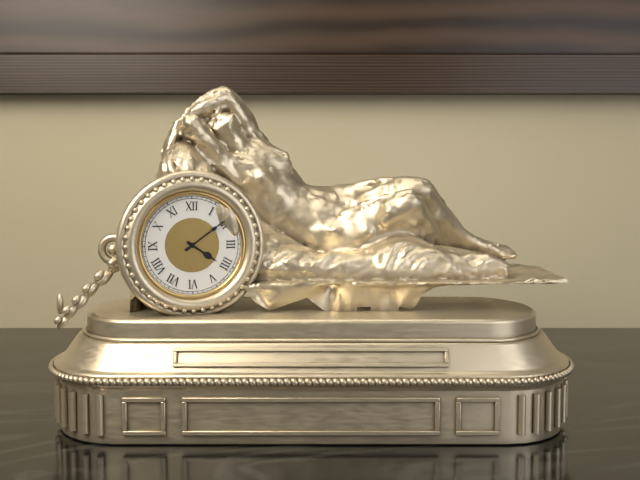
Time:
4.09
